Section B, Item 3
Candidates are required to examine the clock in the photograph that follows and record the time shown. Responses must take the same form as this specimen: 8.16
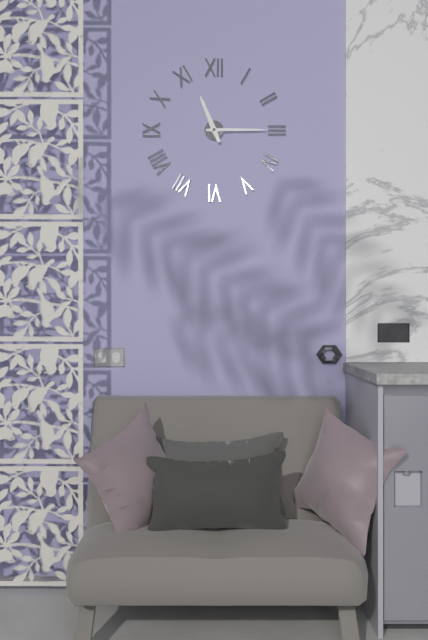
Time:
11.15
